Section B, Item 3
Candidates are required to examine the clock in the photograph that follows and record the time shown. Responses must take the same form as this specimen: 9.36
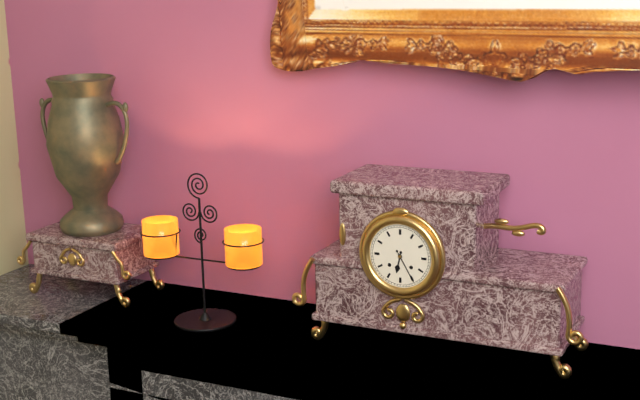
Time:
6.25
